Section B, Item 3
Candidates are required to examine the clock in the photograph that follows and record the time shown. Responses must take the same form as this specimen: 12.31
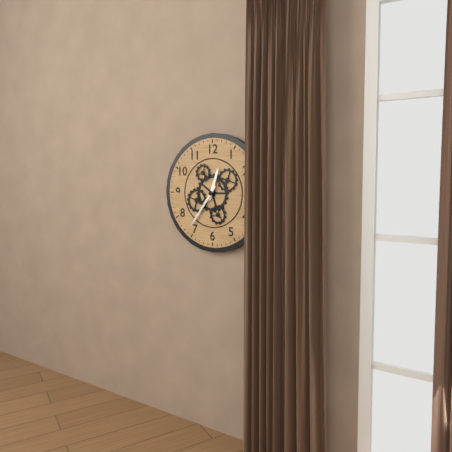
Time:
12.36
